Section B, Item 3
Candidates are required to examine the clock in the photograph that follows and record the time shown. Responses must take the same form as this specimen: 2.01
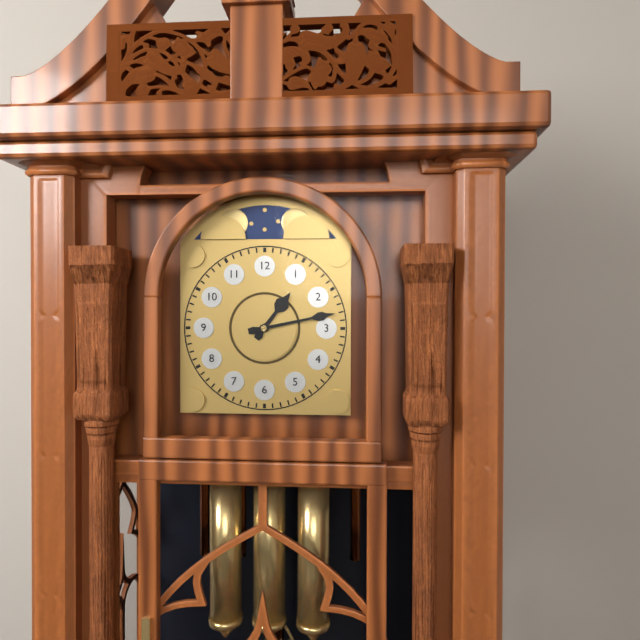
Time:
1.13
